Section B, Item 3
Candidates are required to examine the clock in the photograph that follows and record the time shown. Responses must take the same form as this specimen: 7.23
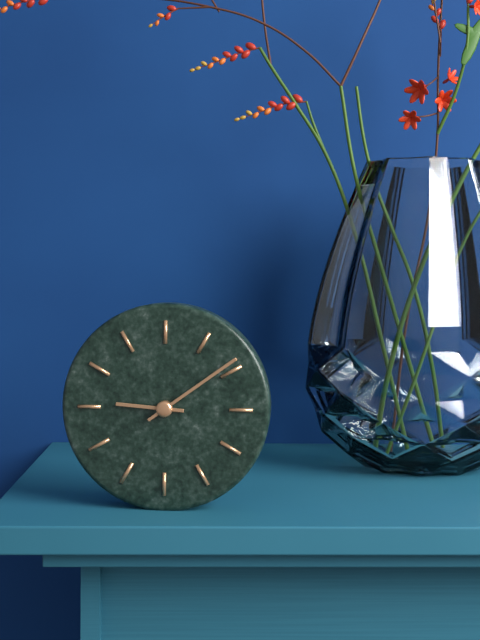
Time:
9.09
